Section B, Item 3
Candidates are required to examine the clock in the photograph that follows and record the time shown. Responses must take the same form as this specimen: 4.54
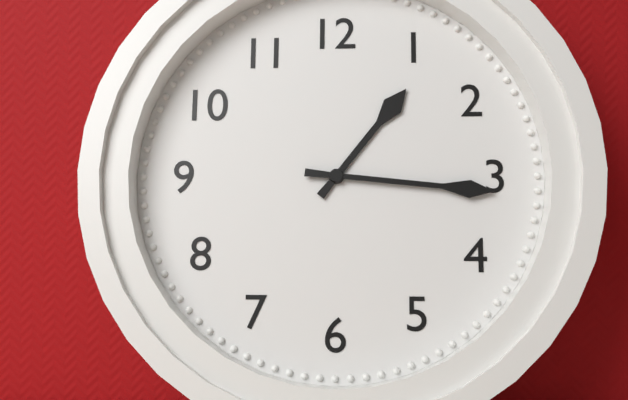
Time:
1.16
